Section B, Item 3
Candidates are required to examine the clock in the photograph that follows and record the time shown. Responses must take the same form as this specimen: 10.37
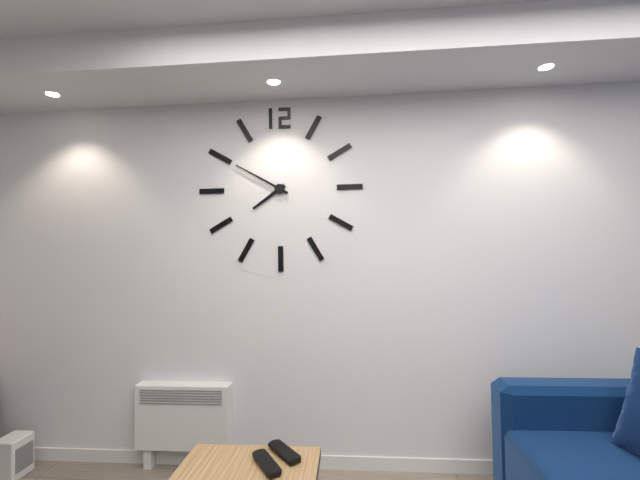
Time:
7.50
